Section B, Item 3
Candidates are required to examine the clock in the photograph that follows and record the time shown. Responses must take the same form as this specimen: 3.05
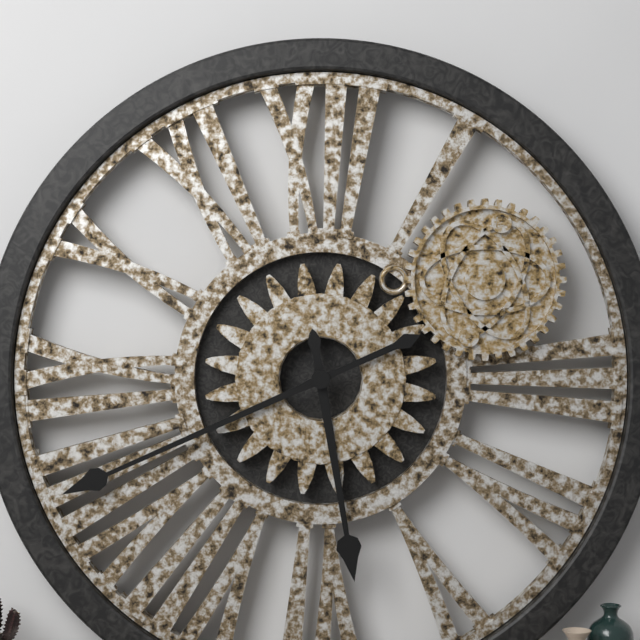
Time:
5.41
